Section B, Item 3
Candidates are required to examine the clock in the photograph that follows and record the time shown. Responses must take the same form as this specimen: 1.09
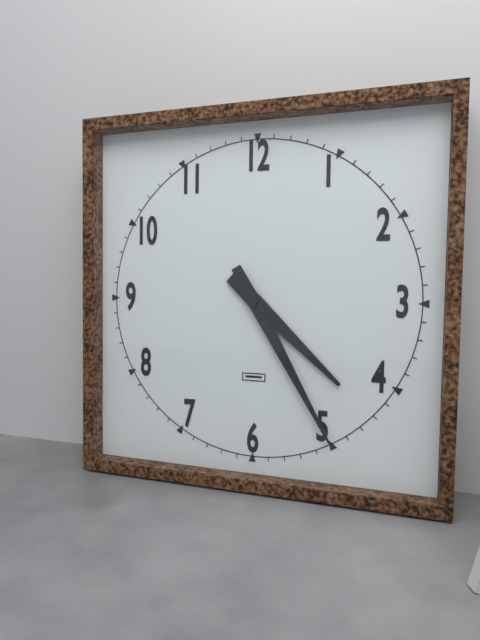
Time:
4.25
